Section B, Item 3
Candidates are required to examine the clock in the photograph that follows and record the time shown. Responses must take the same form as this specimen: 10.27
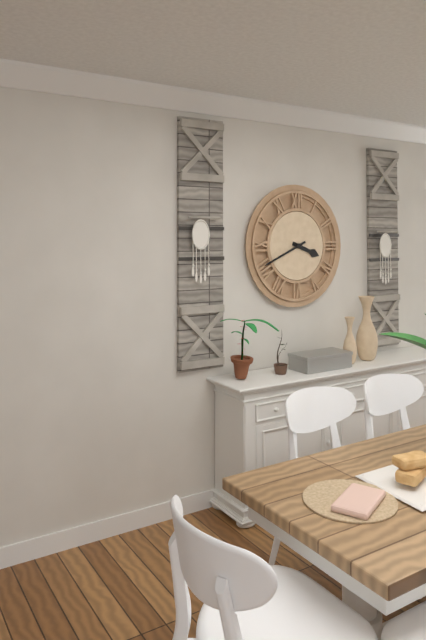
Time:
3.41
